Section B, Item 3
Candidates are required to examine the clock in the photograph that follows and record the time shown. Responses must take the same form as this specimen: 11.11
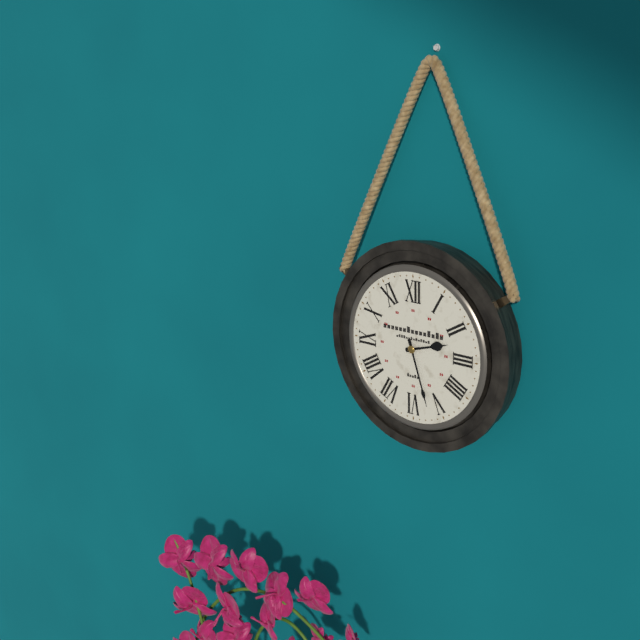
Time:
2.27
